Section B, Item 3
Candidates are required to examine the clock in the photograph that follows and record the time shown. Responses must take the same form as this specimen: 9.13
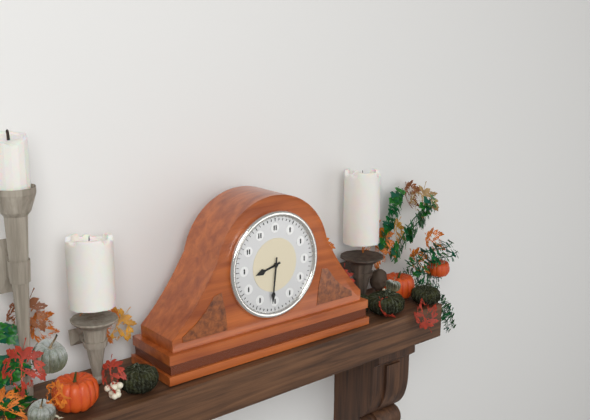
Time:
8.31
